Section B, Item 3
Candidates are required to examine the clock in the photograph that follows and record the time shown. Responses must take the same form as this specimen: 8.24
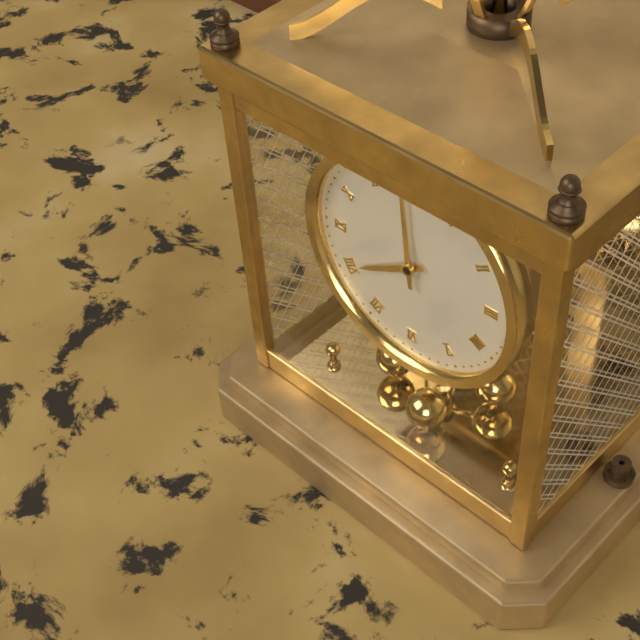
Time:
7.59
